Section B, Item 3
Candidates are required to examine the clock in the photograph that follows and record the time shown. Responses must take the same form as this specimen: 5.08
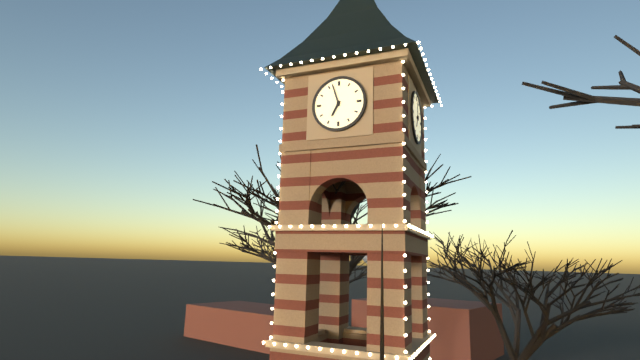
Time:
6.57
